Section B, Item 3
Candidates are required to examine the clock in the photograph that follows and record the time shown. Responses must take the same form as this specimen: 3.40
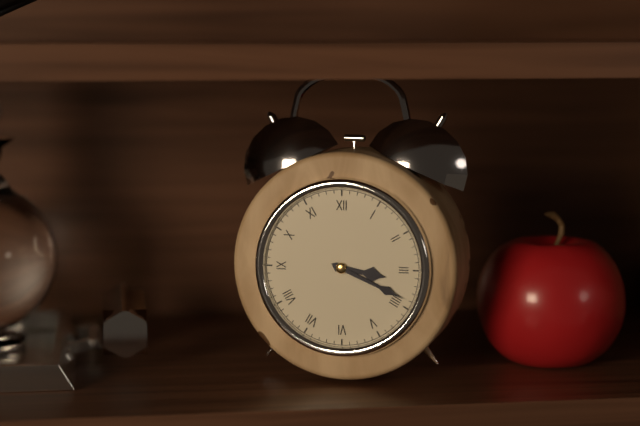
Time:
3.19
